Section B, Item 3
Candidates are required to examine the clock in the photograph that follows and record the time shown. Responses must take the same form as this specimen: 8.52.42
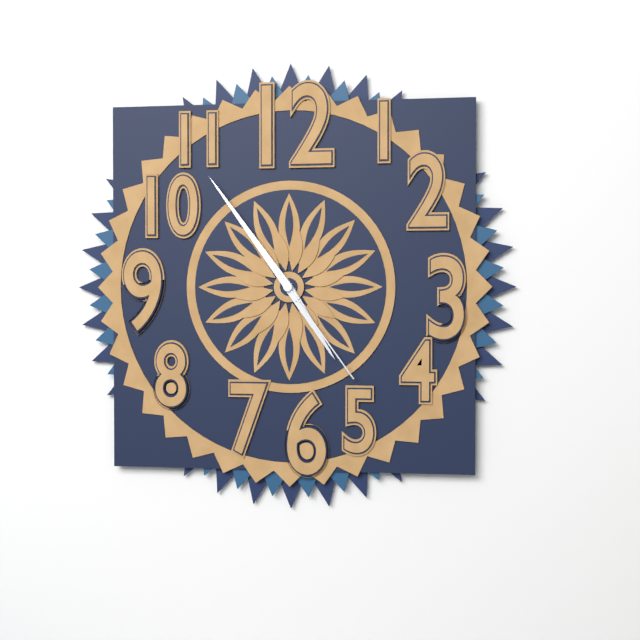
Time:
4.54.24
